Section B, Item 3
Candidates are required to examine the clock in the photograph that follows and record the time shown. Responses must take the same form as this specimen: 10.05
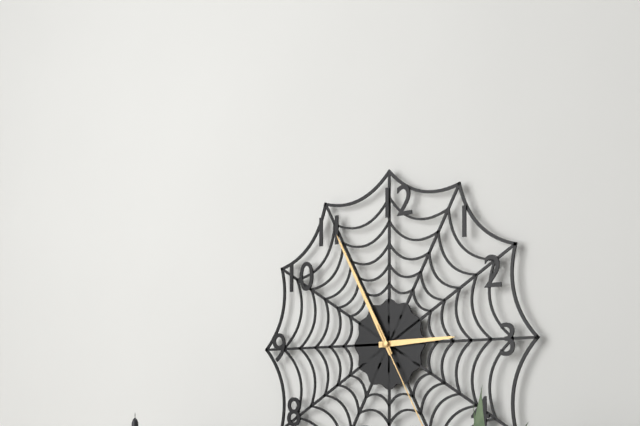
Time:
2.55
